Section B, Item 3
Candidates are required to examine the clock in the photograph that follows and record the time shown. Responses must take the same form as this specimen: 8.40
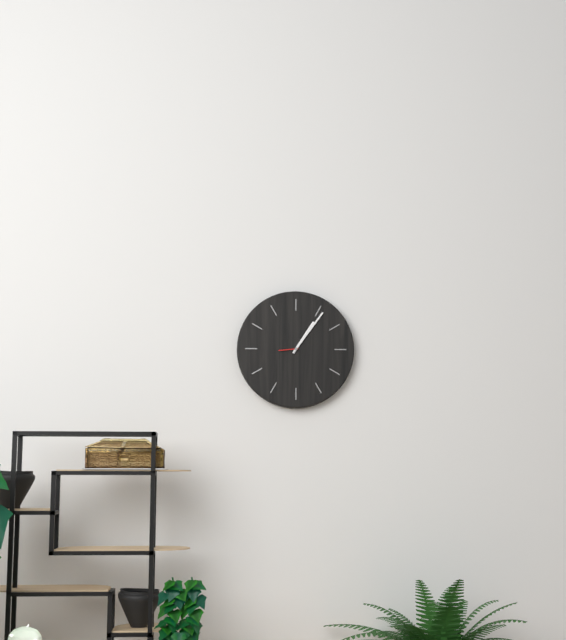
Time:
1.06
